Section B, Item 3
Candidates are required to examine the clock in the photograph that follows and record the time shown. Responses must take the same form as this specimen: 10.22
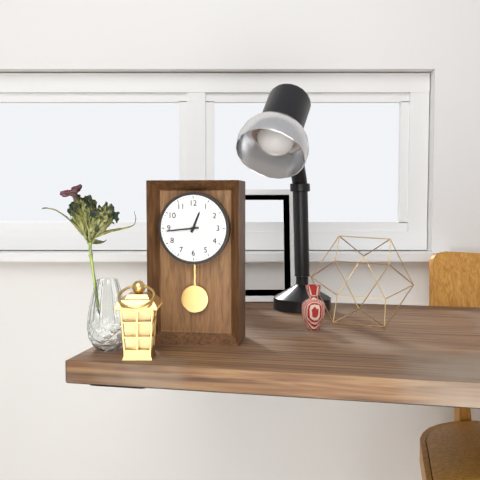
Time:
12.44
